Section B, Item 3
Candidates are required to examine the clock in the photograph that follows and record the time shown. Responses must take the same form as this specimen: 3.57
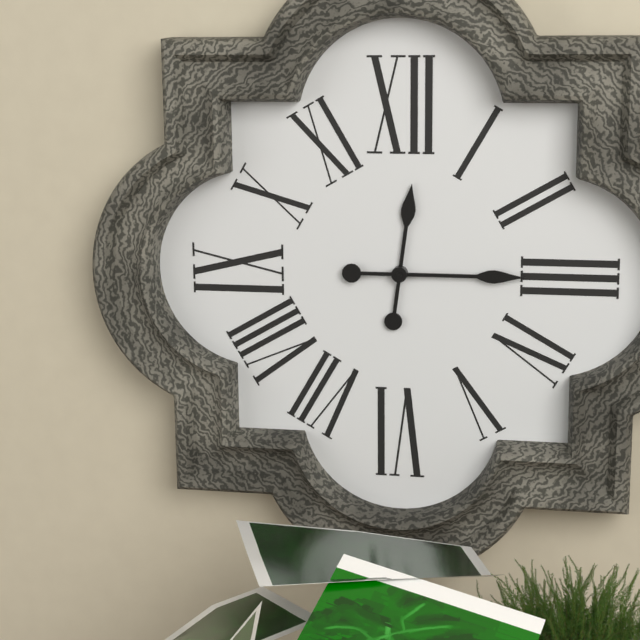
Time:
12.15
